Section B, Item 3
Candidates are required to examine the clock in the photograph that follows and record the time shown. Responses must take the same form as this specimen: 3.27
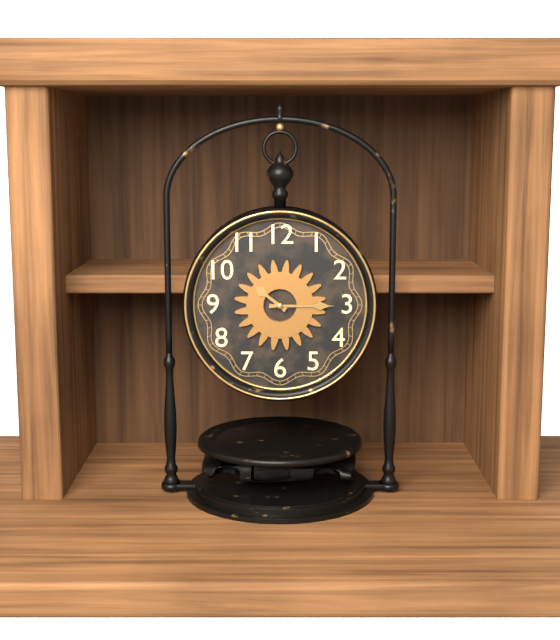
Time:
10.15
